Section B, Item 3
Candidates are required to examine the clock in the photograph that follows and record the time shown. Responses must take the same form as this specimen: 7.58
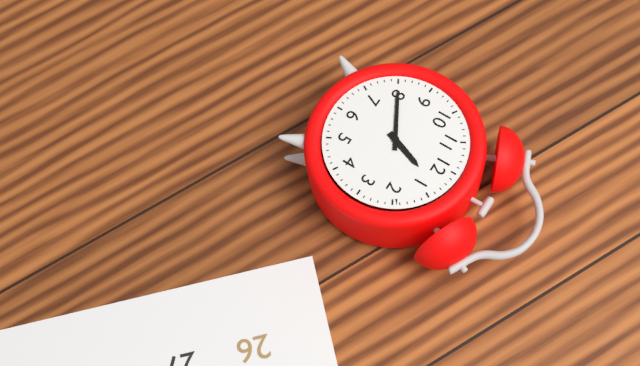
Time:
12.40
